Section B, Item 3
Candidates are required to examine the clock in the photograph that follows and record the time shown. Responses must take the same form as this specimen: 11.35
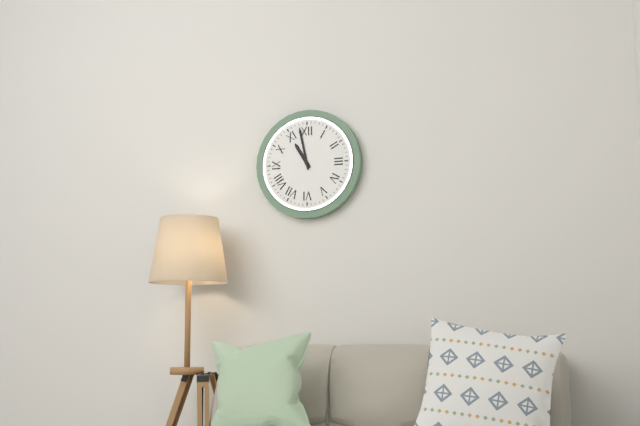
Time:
10.58
